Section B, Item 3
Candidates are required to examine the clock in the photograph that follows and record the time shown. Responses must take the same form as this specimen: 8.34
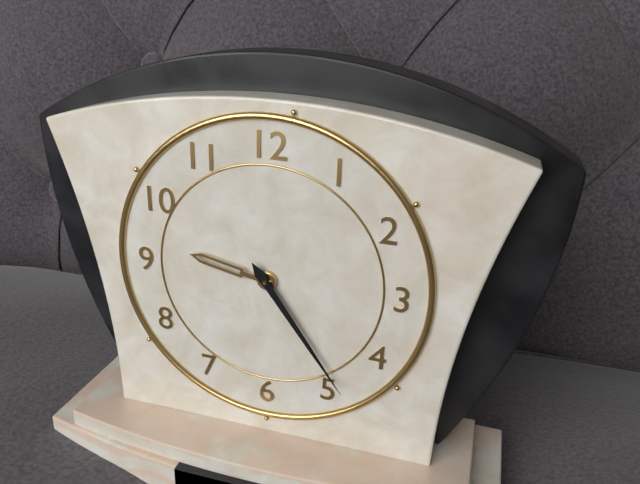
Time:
9.24
